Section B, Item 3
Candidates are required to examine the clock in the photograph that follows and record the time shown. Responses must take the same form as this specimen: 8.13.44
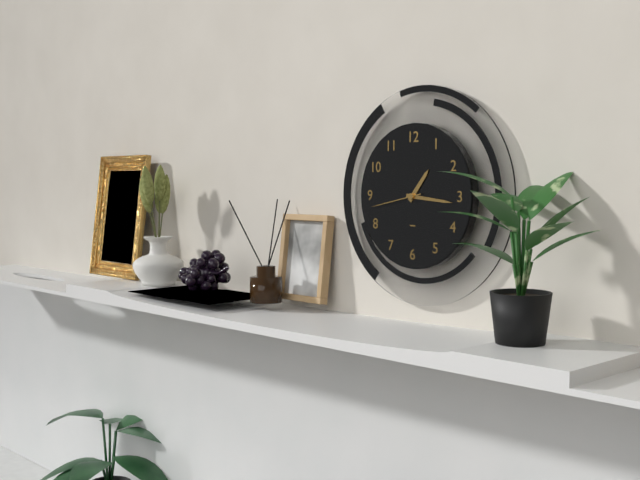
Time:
1.16.43
